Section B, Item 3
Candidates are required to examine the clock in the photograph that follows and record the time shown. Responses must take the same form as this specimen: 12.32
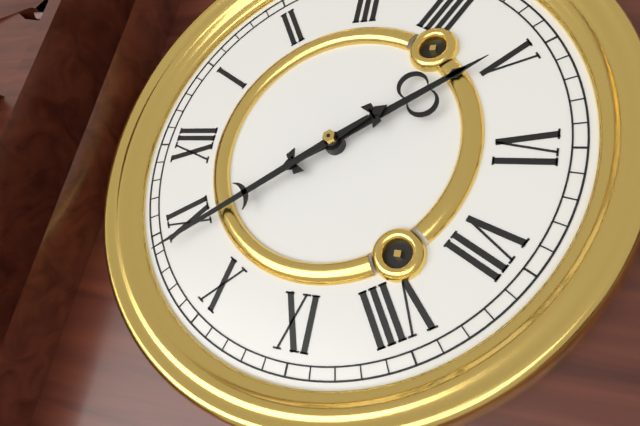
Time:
4.54
